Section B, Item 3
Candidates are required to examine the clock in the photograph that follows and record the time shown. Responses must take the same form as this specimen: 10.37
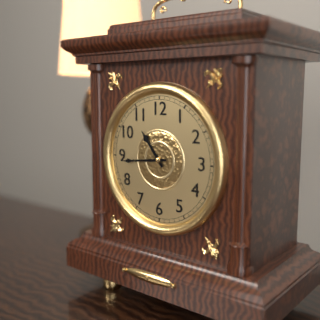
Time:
10.44
